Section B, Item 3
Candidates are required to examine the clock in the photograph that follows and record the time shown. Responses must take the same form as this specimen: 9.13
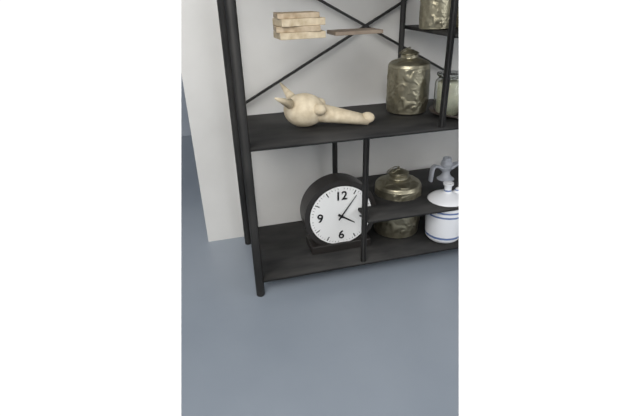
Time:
4.06
